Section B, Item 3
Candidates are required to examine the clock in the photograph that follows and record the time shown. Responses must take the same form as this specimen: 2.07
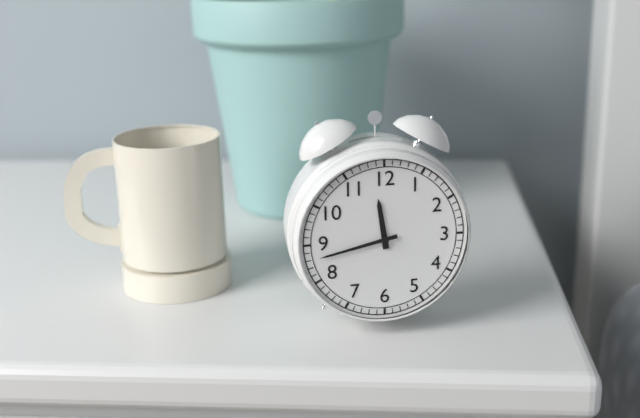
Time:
11.43
